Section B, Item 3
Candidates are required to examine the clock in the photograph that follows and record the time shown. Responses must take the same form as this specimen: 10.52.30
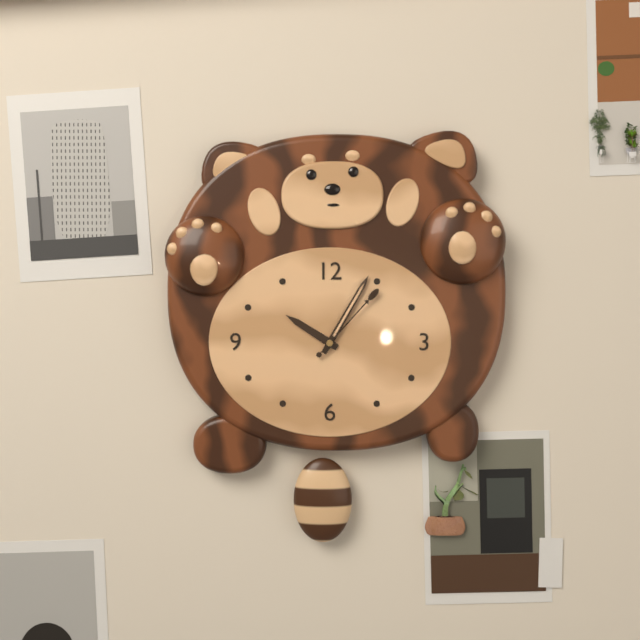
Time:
10.05.07
